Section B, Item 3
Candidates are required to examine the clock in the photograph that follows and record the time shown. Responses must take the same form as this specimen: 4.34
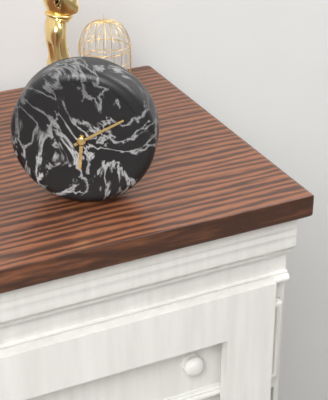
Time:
6.10
